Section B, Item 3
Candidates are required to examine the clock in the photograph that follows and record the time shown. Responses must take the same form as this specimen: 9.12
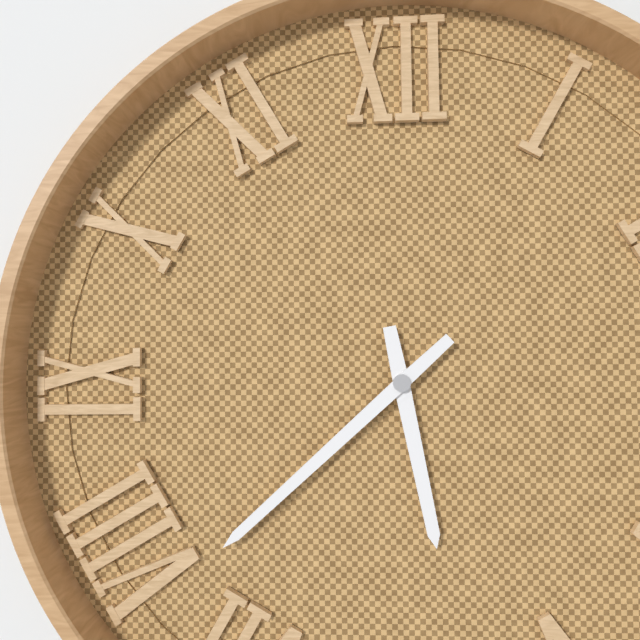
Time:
5.38
